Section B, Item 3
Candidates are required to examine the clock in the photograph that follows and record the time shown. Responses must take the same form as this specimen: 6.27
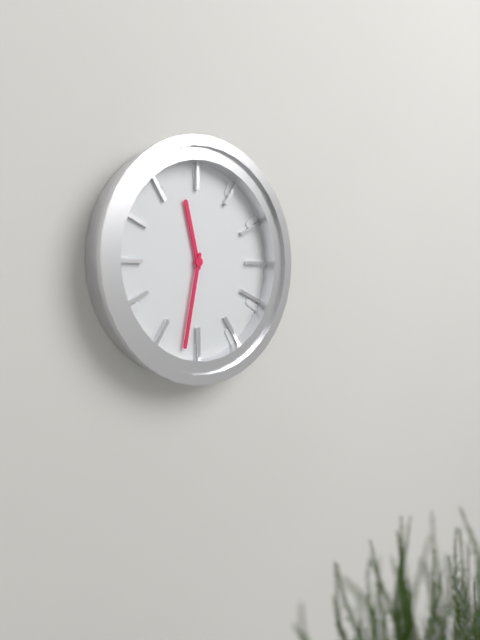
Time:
11.32
